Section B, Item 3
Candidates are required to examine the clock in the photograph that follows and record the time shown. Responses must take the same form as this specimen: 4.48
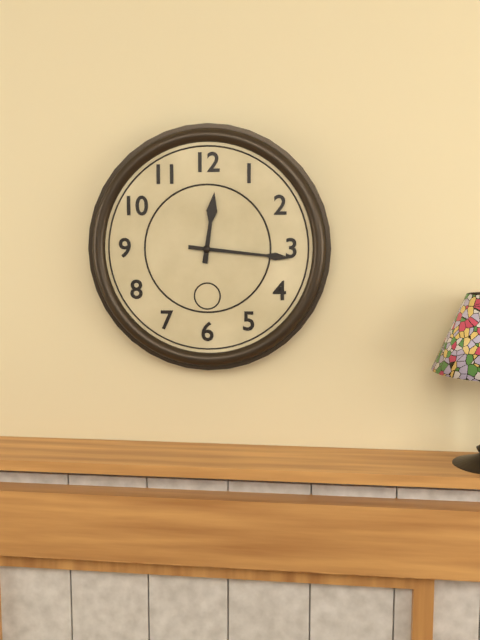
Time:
12.16
